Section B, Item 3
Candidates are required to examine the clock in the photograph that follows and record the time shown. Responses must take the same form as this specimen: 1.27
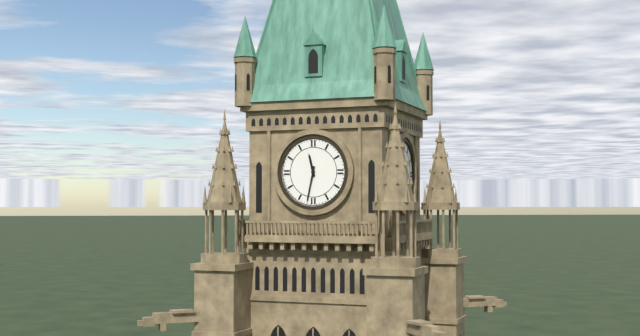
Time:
11.32
